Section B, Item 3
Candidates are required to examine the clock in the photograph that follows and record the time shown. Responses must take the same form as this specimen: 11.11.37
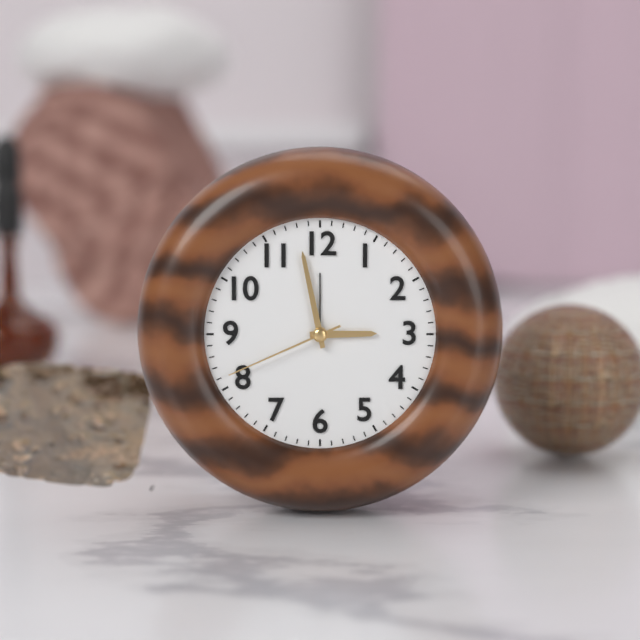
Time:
2.58.41
